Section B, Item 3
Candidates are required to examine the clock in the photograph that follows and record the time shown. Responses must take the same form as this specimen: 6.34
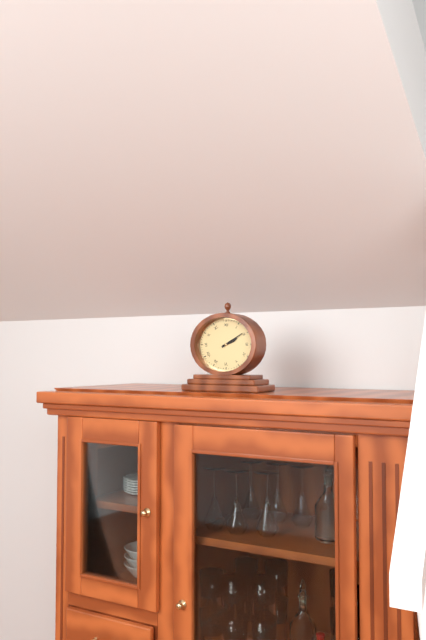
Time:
2.10
